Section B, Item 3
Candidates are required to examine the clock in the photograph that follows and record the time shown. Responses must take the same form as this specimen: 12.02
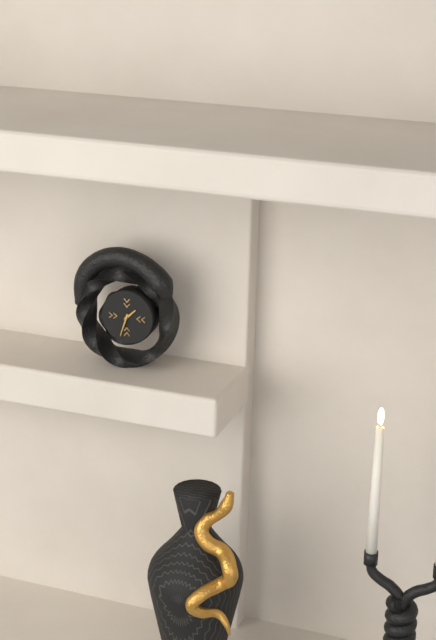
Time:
1.33
